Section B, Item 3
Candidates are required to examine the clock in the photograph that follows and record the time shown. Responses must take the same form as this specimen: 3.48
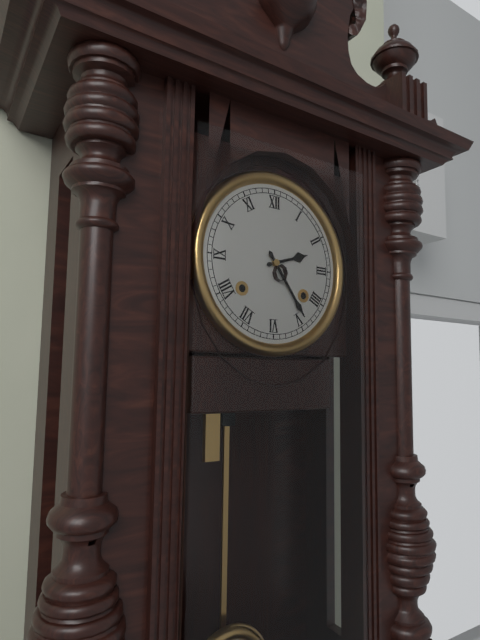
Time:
2.24
